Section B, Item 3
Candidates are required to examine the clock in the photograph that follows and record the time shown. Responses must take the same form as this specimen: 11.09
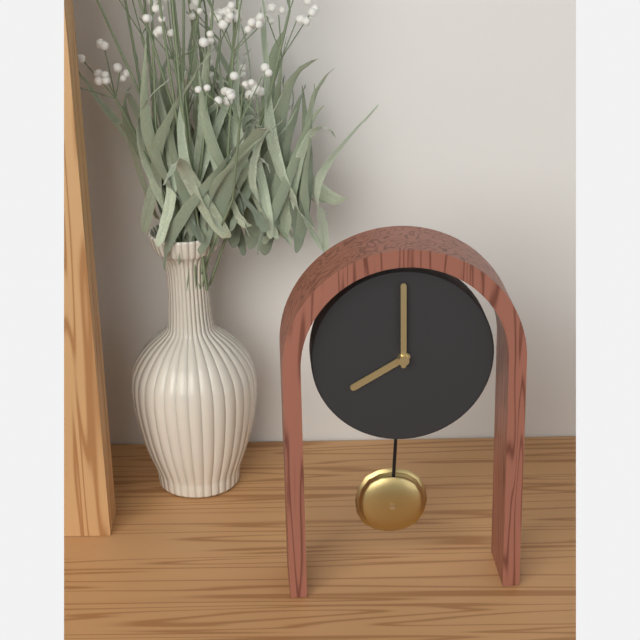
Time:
8.00
